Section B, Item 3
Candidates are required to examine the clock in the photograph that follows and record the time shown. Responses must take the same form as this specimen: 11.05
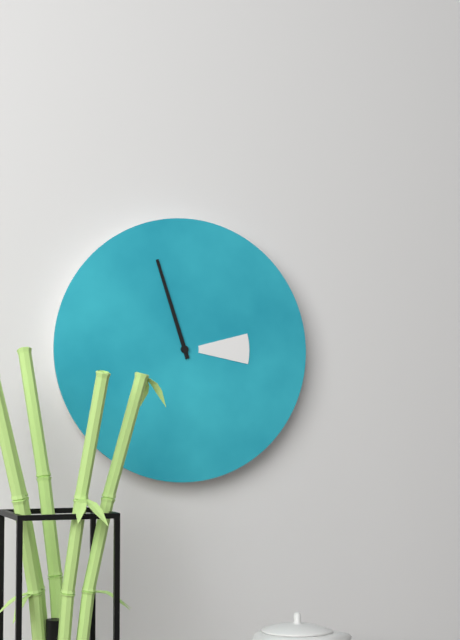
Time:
2.57
